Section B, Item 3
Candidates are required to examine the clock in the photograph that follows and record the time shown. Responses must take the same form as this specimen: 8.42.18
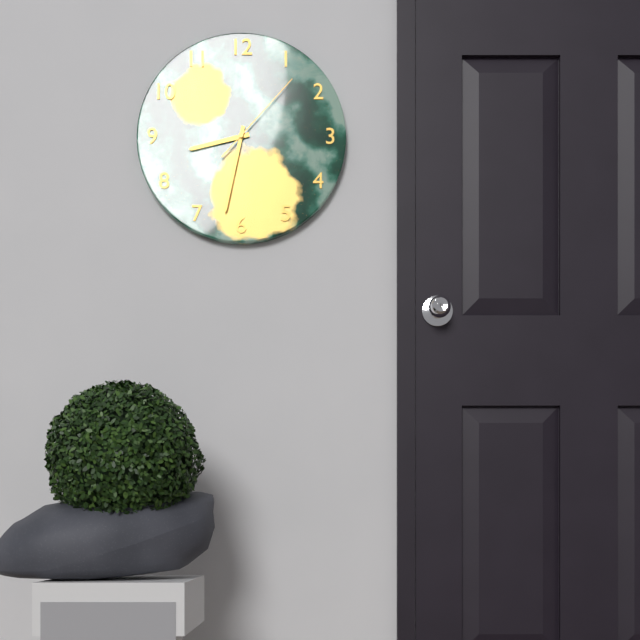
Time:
8.32.07
